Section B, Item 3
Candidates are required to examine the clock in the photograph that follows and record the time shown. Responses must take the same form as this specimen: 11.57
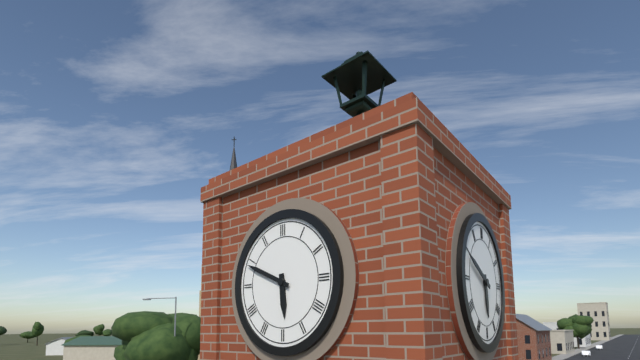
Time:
5.49
